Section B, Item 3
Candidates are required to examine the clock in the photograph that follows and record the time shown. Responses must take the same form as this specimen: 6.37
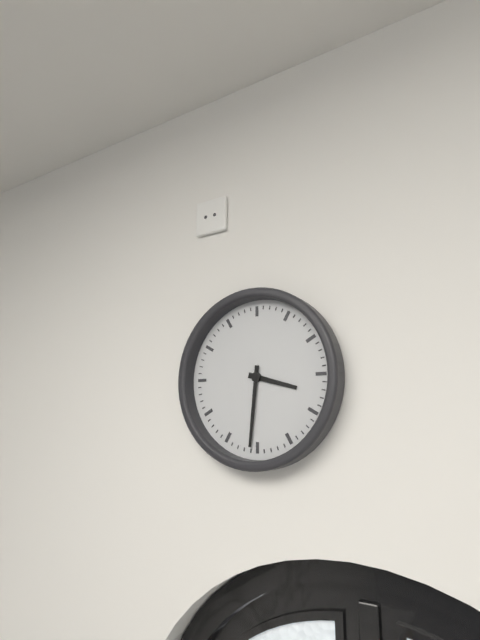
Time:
3.31
